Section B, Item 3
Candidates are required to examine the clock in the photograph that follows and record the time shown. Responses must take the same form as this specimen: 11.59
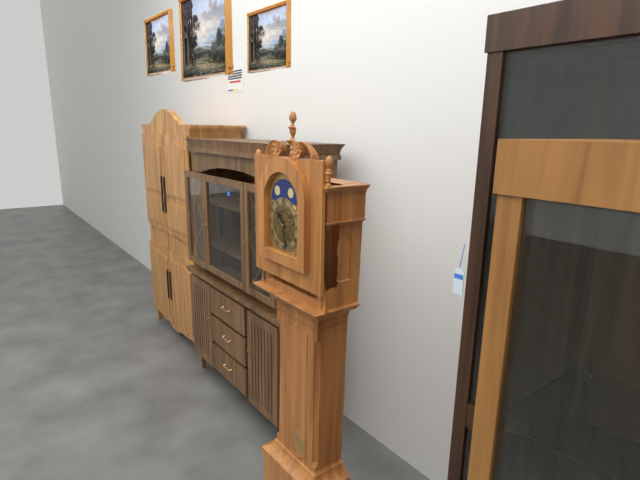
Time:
10.28
